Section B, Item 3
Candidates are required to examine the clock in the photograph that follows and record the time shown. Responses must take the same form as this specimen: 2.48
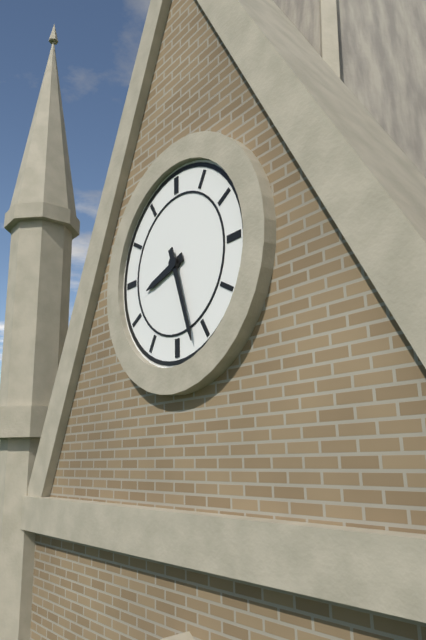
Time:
8.27
